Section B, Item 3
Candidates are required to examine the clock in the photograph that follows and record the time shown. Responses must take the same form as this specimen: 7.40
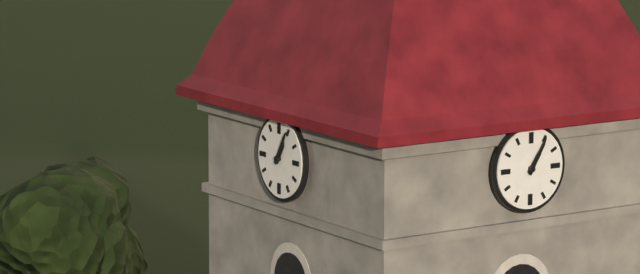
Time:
1.05
